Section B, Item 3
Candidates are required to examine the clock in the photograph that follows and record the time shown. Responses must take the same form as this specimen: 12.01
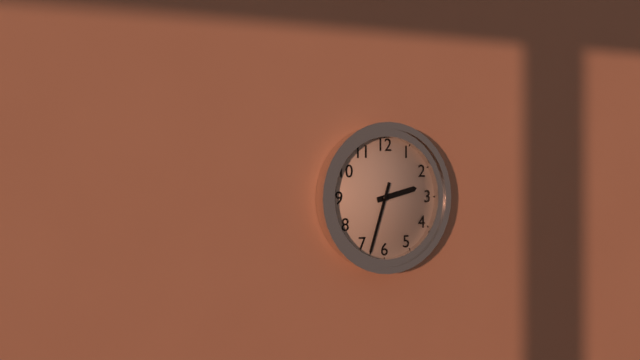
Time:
2.33
